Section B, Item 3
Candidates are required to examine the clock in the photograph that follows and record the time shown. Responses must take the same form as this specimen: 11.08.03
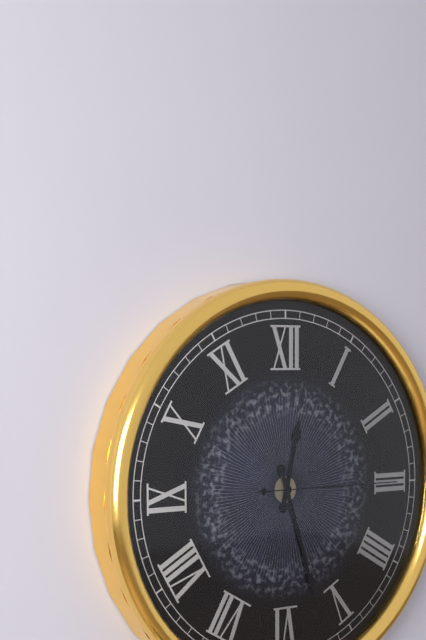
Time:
12.27.15
